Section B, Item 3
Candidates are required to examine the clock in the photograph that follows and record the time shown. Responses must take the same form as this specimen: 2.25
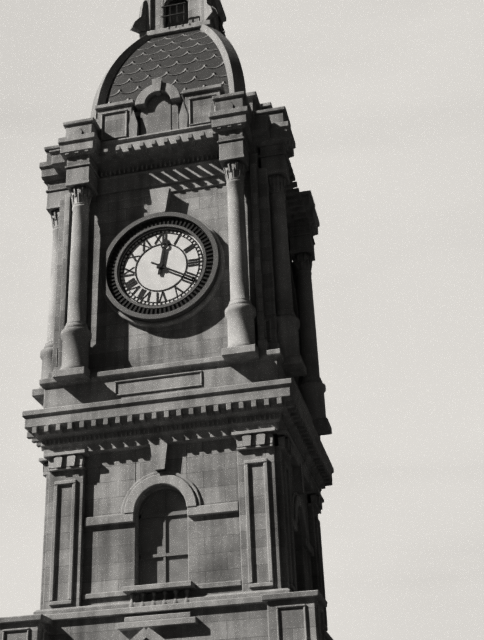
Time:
12.20
